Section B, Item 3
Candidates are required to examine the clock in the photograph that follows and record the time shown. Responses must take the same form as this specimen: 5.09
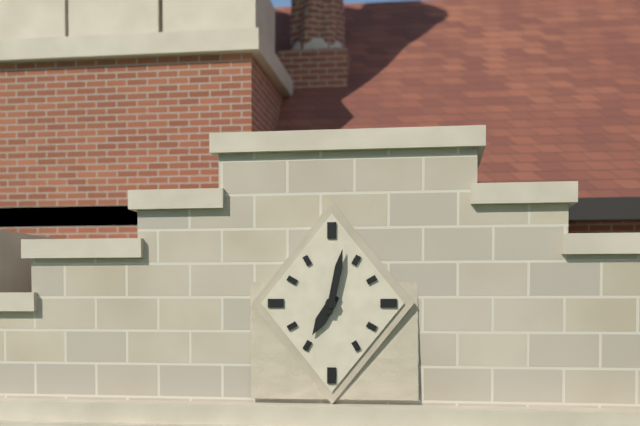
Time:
7.02
